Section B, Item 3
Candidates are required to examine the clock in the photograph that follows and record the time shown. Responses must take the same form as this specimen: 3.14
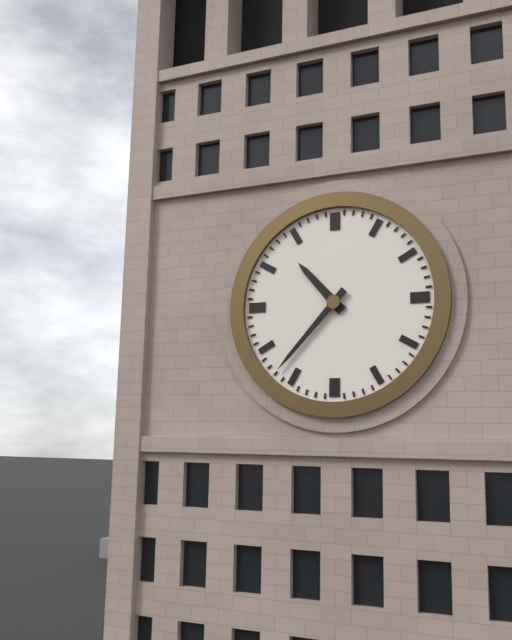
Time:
10.37
